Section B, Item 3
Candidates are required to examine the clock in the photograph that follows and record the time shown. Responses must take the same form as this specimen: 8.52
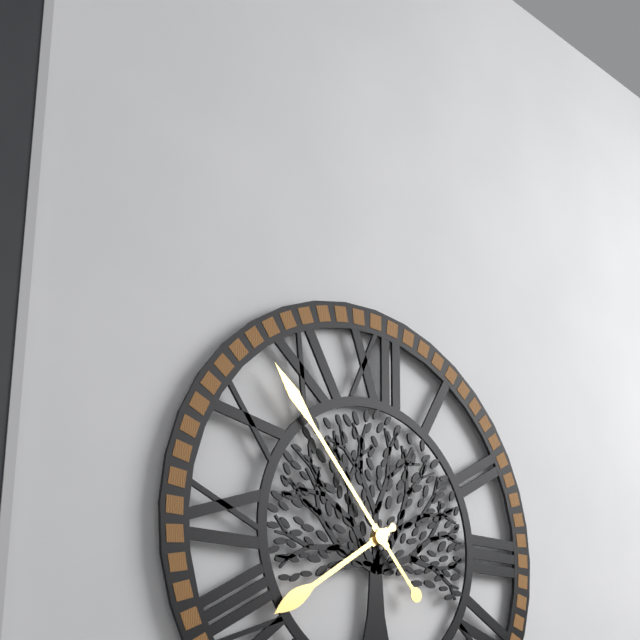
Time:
7.53
